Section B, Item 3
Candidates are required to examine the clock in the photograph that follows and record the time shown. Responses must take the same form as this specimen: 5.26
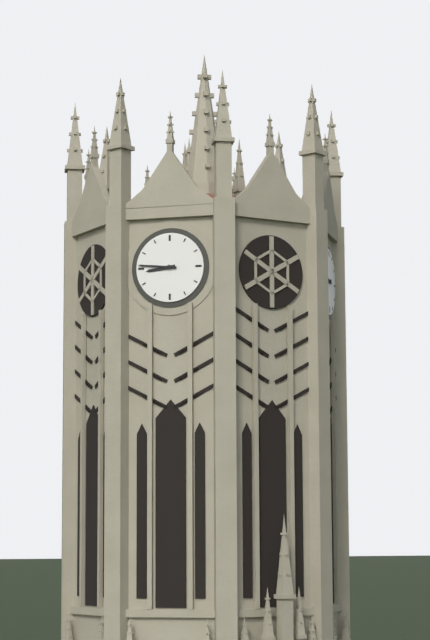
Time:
8.46
